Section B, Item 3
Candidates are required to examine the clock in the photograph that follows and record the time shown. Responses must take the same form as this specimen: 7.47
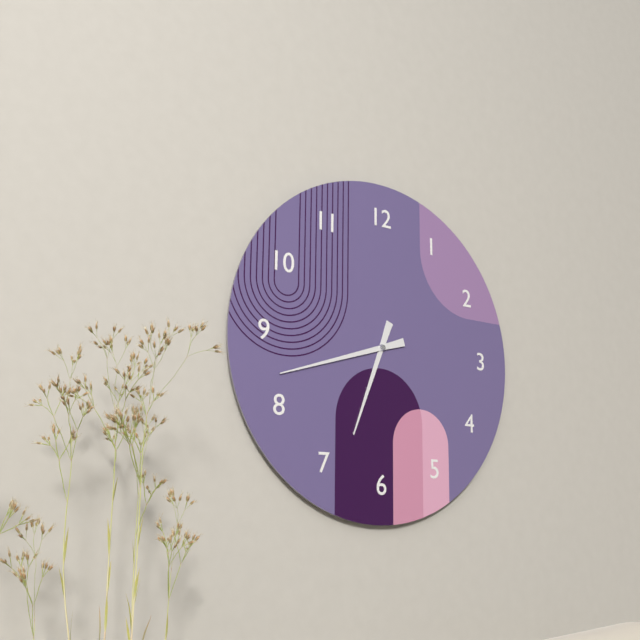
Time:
6.42
